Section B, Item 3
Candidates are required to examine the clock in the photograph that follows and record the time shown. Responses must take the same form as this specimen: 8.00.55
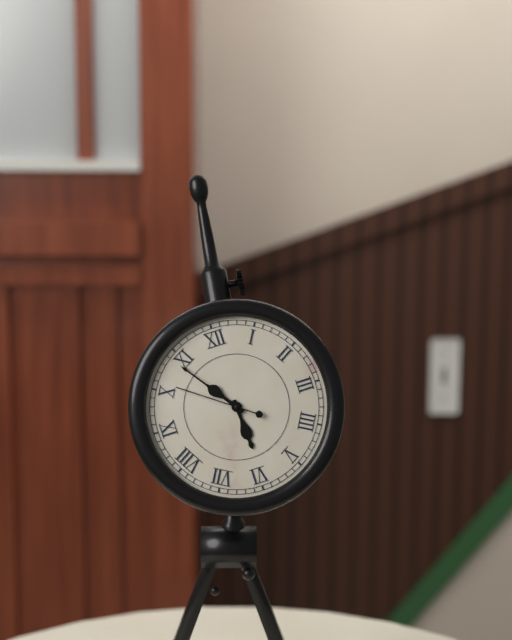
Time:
5.54.51
